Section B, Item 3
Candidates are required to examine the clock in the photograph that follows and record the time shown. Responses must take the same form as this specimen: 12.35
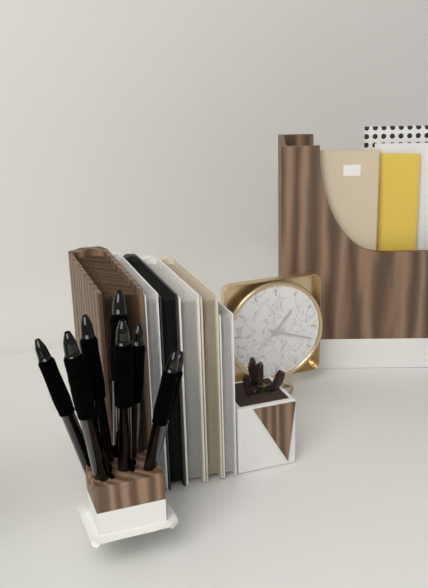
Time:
1.18
